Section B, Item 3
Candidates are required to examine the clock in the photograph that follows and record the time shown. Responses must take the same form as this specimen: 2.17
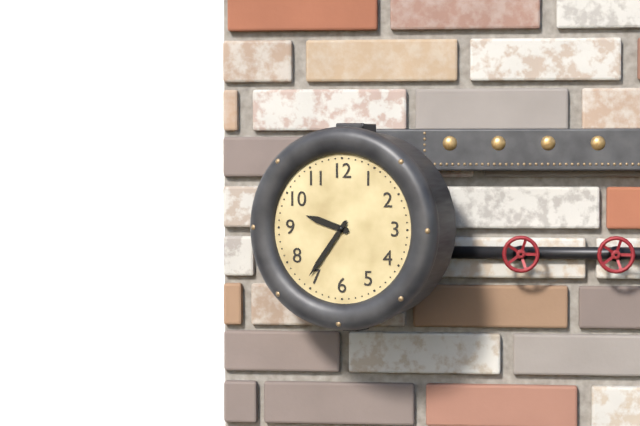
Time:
9.36
